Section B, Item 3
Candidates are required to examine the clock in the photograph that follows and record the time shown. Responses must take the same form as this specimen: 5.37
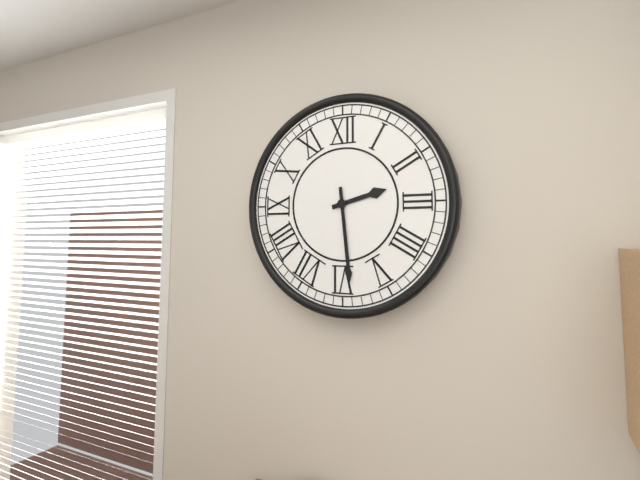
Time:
2.29
